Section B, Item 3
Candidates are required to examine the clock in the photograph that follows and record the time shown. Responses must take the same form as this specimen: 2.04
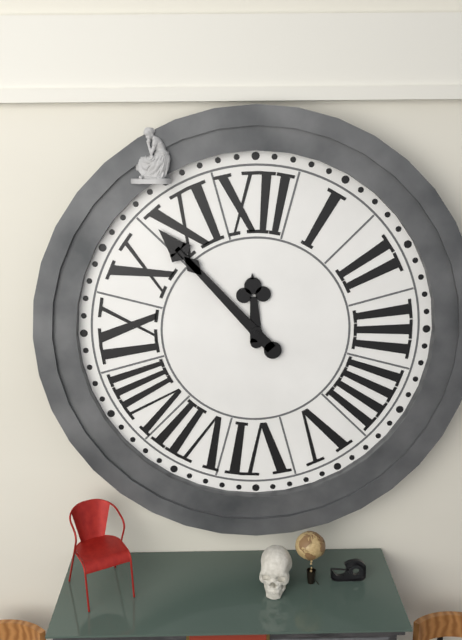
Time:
11.53
